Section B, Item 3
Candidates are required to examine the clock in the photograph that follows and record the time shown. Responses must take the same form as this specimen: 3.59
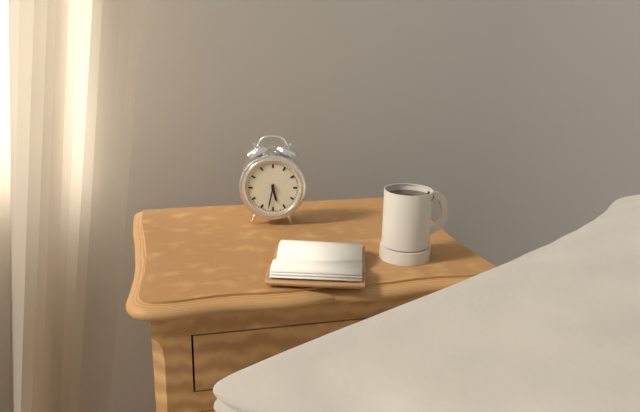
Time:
5.32
